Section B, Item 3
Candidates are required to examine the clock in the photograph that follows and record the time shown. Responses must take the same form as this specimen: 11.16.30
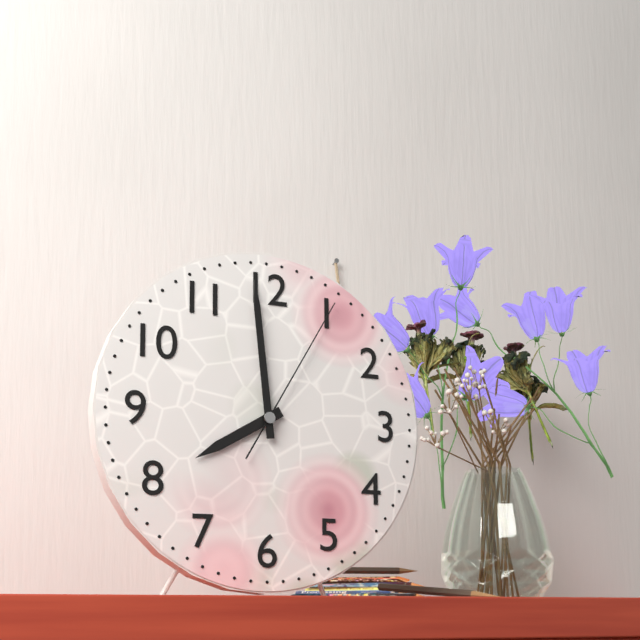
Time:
7.59.05
